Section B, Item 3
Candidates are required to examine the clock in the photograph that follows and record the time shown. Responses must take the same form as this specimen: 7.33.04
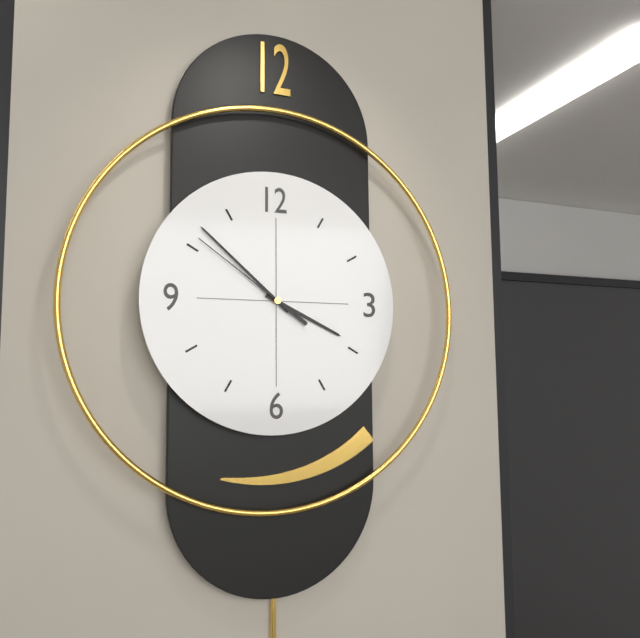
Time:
3.52.51
